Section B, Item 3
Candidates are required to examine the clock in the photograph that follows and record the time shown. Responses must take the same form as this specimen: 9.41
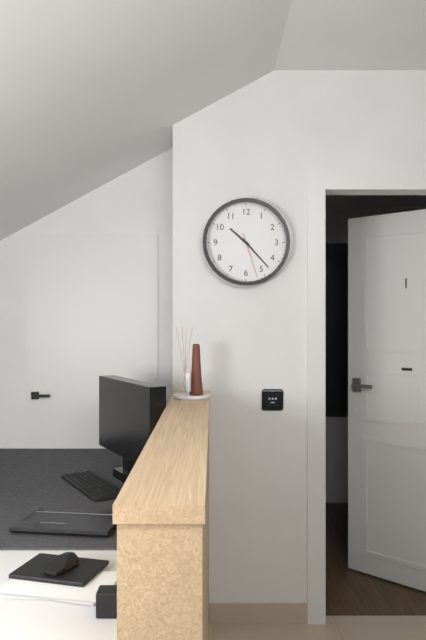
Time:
10.23
